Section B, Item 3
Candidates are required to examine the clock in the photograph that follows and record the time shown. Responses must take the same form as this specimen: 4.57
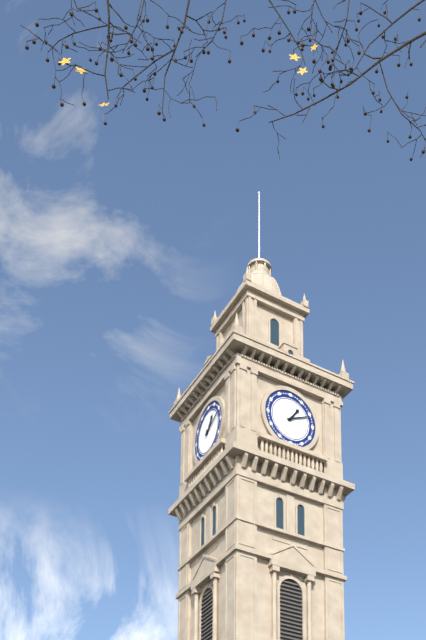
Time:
1.11
